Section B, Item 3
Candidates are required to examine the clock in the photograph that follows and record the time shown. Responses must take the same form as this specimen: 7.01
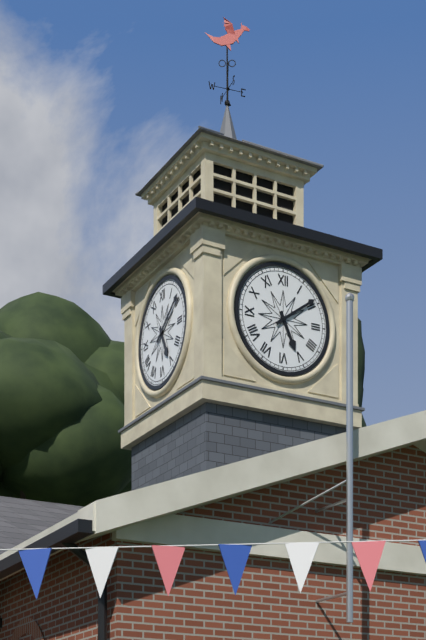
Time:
5.09
